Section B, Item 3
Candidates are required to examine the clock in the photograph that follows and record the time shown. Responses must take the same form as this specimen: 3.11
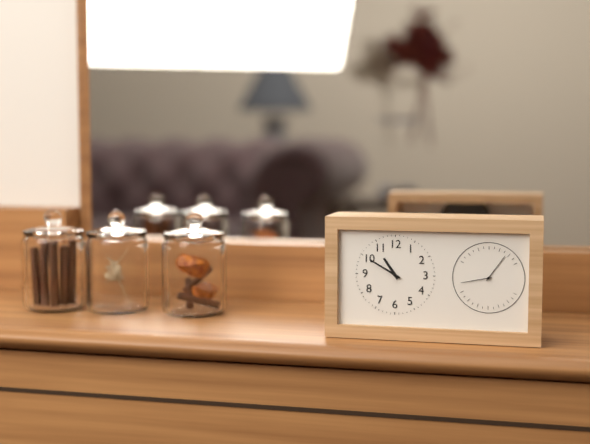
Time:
10.50
